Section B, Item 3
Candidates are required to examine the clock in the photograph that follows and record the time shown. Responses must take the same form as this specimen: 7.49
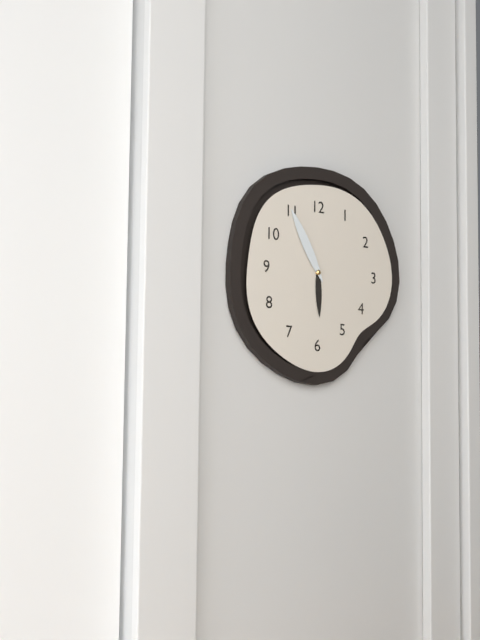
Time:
5.55
